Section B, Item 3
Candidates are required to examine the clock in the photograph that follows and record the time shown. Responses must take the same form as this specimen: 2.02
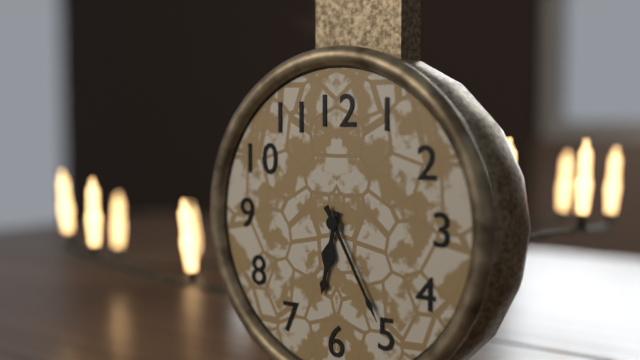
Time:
6.25
